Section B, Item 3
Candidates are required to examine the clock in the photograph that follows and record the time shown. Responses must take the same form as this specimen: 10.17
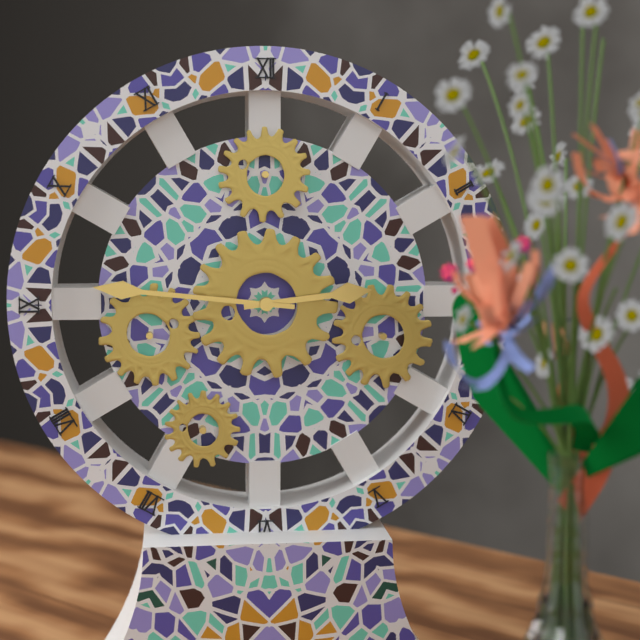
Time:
2.46
